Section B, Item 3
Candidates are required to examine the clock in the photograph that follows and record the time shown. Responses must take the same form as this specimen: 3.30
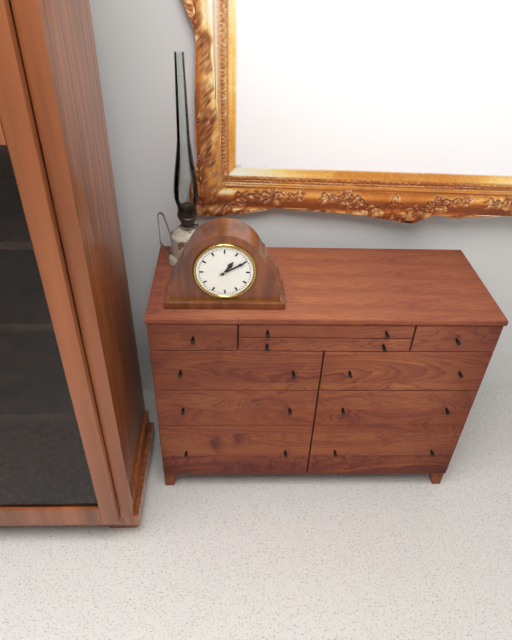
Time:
1.10
